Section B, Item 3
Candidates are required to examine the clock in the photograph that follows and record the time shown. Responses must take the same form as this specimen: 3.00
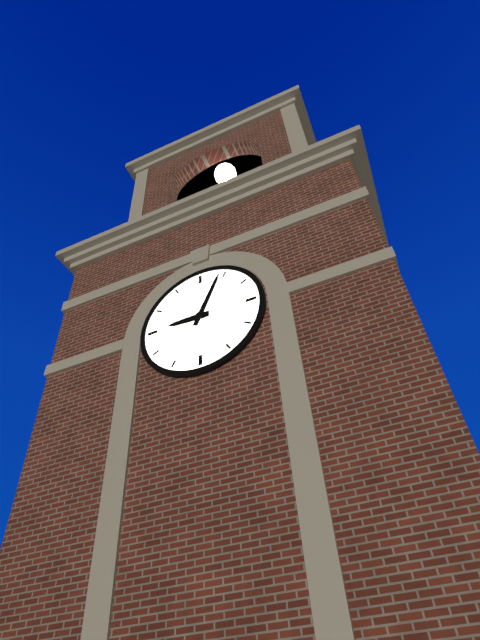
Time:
9.04
